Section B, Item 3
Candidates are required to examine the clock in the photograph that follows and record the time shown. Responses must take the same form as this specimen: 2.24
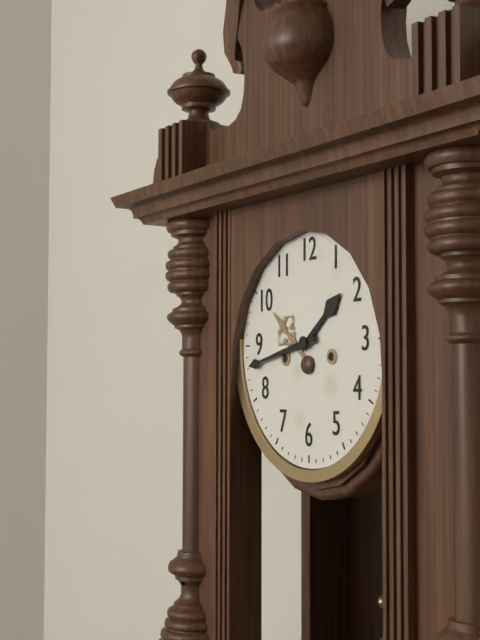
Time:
1.43
